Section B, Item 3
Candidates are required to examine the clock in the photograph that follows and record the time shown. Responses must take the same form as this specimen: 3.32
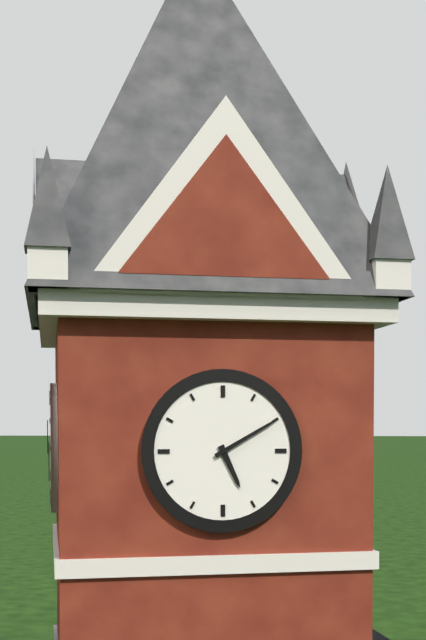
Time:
5.10
